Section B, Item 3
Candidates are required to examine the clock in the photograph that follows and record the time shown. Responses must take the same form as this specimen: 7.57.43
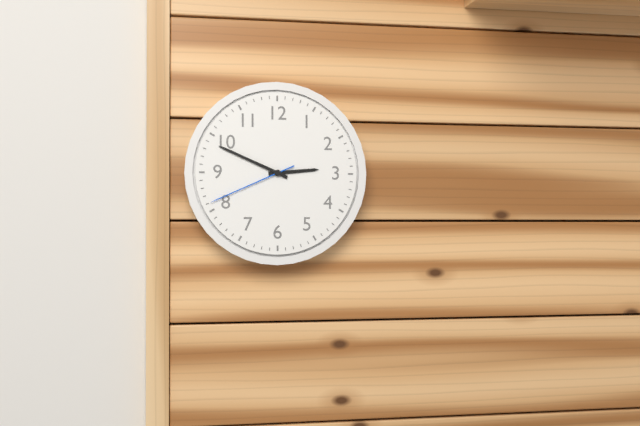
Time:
2.49.41
